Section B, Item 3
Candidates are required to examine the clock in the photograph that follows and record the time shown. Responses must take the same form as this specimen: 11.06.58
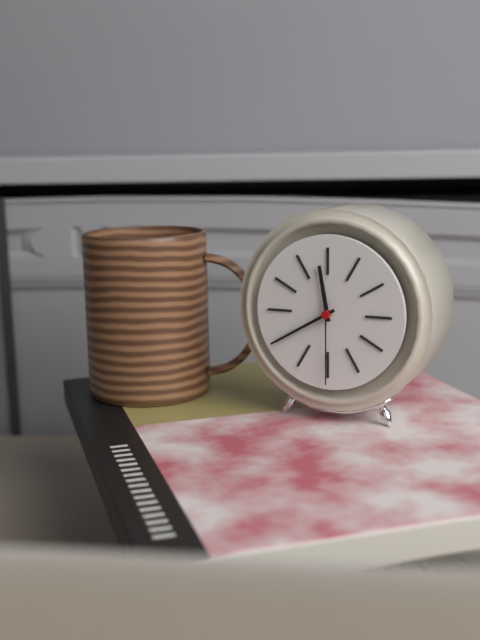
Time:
11.40.30
